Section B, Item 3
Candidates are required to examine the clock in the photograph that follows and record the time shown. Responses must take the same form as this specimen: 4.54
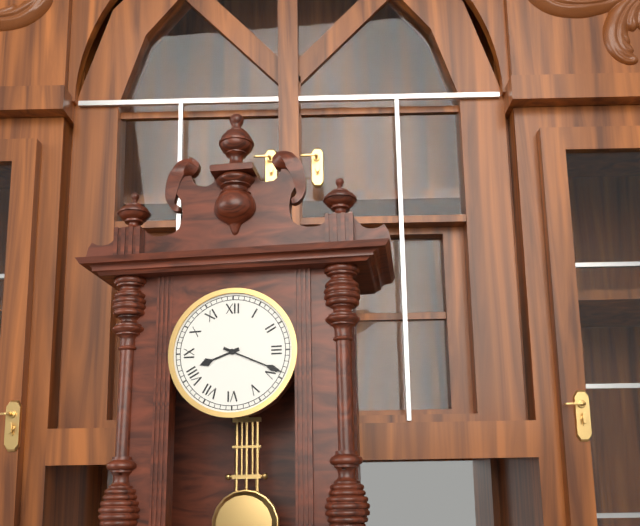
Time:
8.19
